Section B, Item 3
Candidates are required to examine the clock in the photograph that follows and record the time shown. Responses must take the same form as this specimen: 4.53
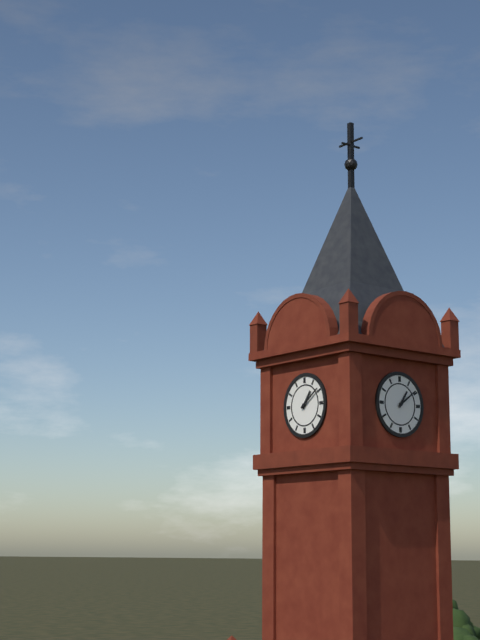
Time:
1.09
